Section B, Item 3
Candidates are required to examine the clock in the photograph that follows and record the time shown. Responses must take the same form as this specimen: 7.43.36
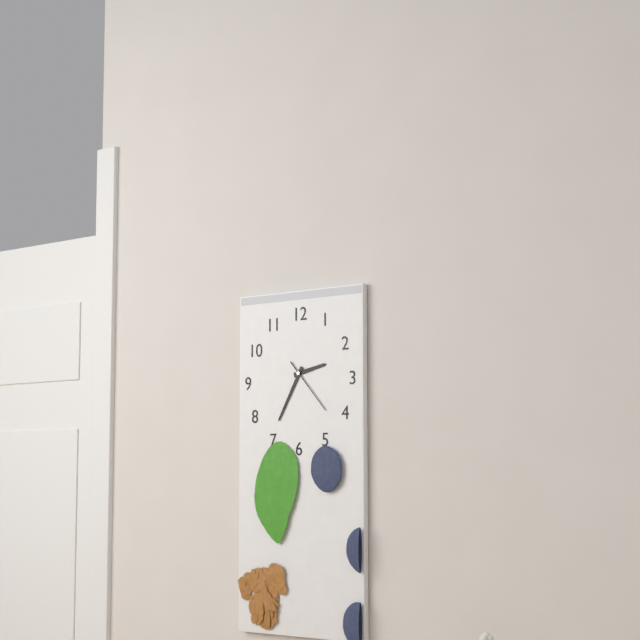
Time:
2.35.23
